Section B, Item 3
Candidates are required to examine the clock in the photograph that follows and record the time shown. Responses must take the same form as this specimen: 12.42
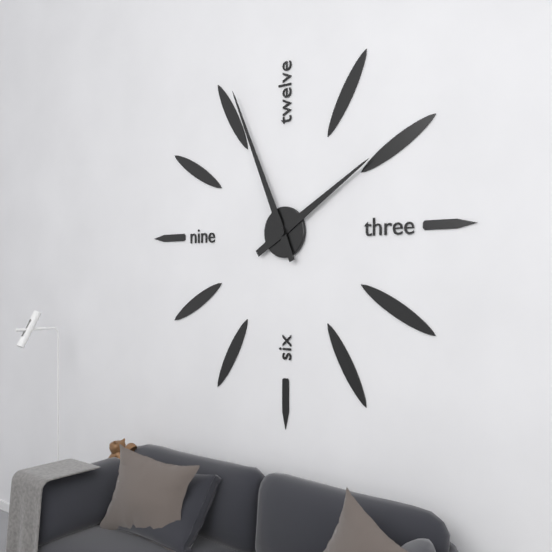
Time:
1.56
